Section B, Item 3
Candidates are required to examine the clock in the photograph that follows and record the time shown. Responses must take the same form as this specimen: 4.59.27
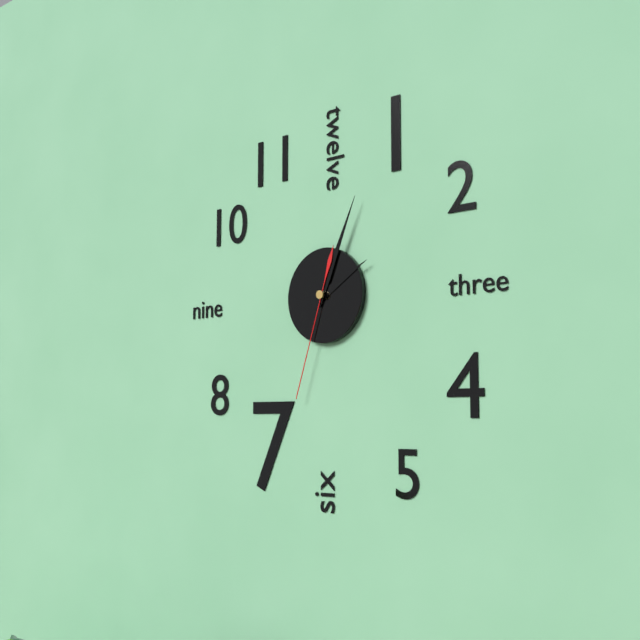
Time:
2.04.33
